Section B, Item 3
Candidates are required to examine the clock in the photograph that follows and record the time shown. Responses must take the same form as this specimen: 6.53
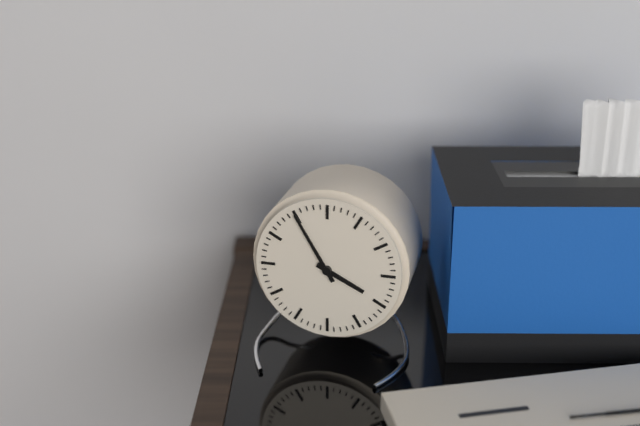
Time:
3.55
